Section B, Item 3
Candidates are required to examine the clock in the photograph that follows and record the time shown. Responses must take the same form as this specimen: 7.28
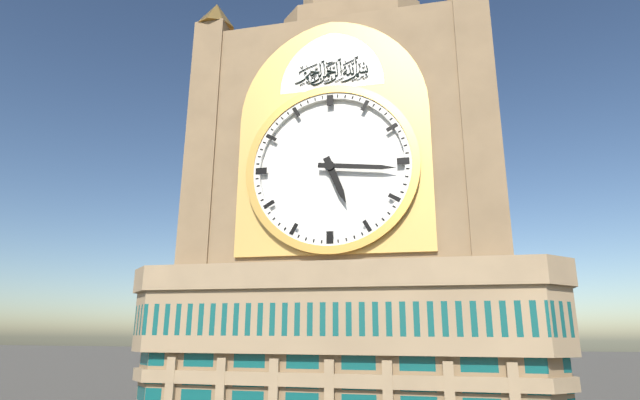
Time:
5.16
